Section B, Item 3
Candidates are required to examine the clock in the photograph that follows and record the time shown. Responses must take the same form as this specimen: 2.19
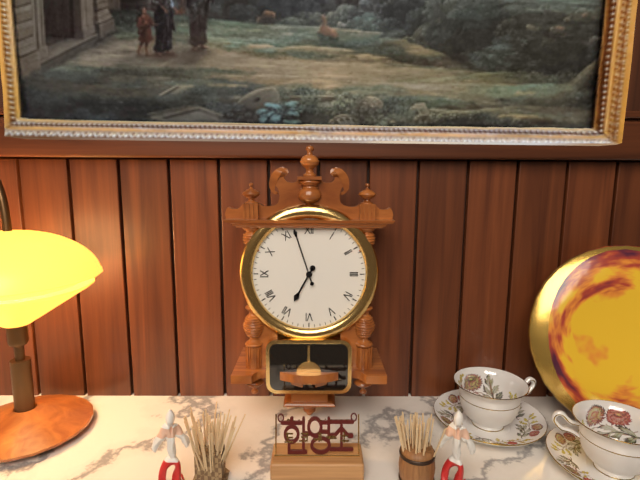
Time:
6.57
